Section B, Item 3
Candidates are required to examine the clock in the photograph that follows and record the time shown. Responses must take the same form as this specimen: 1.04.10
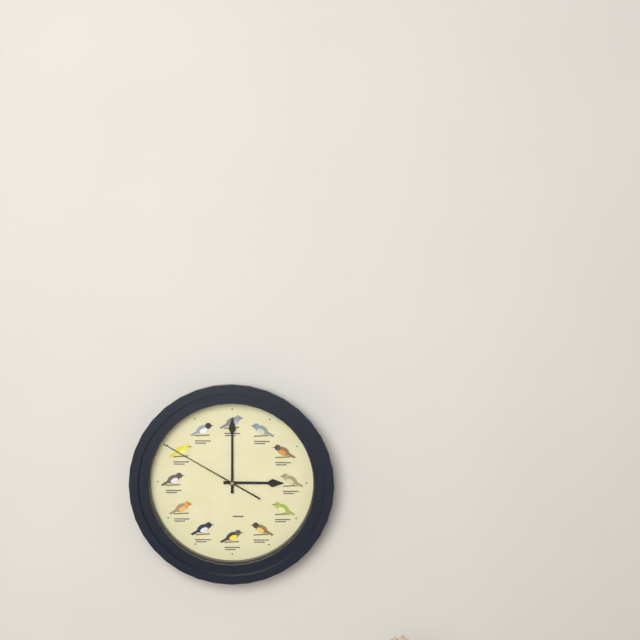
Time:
3.00.50
